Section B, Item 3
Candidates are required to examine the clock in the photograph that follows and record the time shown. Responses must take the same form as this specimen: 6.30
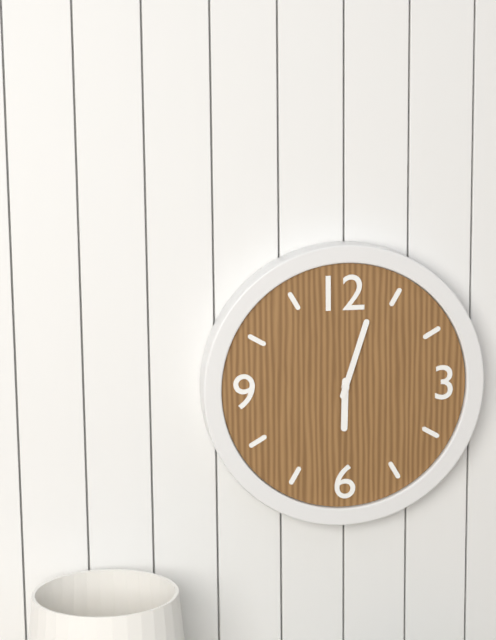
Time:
6.03
